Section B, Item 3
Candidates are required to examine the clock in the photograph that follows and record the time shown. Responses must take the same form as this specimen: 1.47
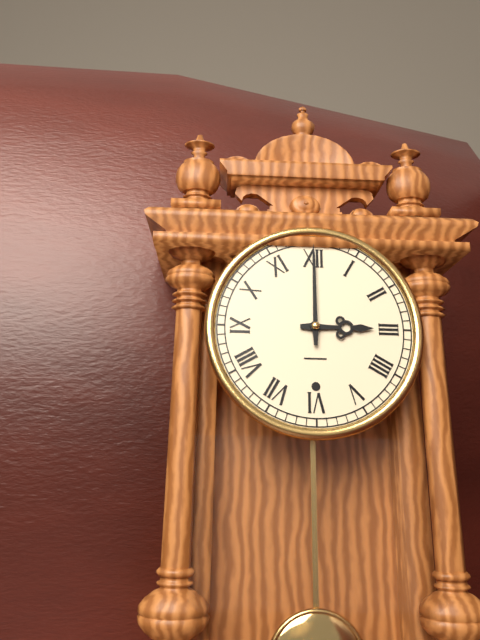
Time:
3.00
